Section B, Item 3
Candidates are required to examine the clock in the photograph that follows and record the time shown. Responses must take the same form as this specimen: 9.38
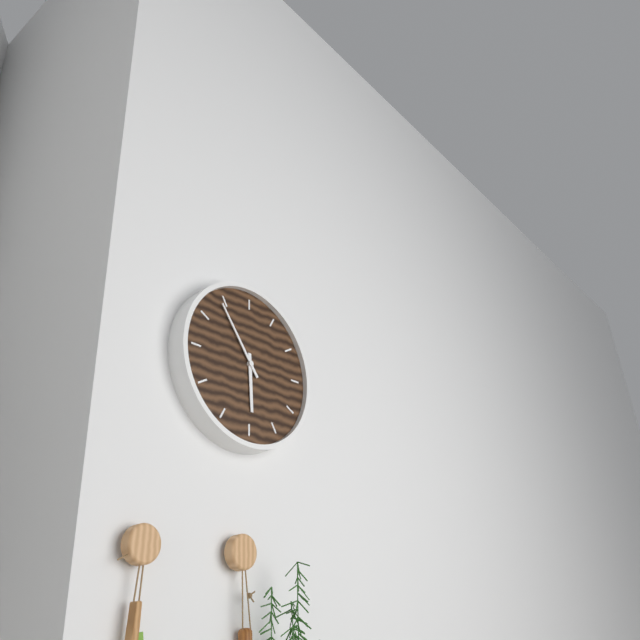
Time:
5.54
